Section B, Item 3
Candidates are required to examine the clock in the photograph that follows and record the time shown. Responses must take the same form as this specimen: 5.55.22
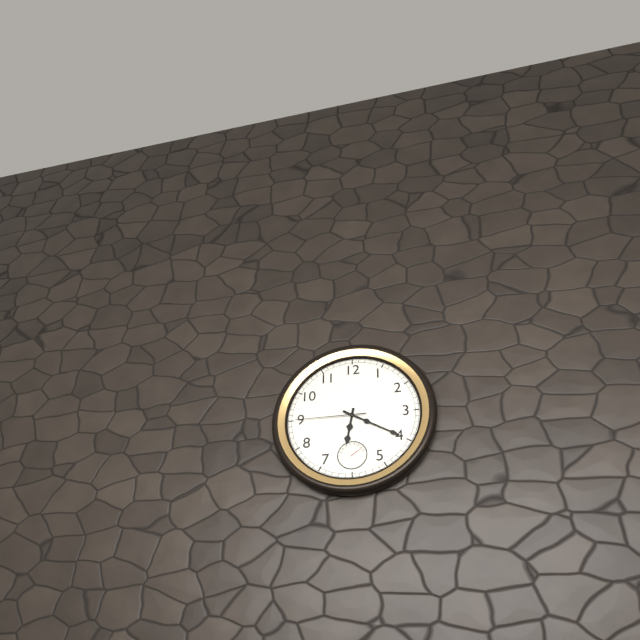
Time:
6.20.45
